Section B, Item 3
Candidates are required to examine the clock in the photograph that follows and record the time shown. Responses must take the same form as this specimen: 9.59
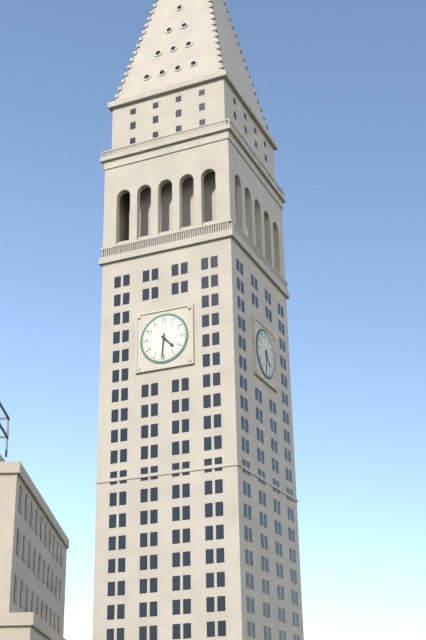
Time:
4.31
